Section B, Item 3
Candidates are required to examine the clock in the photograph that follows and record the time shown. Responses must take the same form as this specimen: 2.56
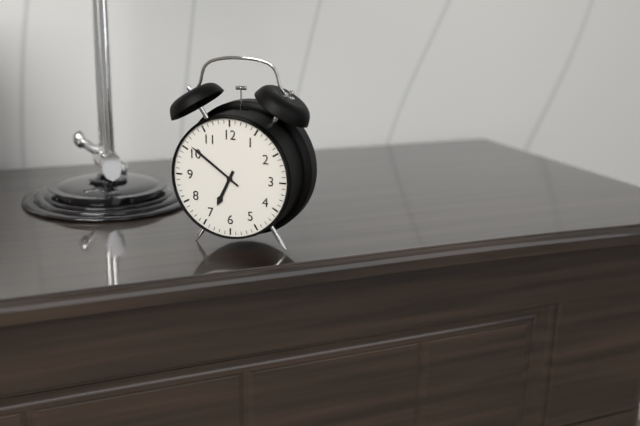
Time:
6.51
